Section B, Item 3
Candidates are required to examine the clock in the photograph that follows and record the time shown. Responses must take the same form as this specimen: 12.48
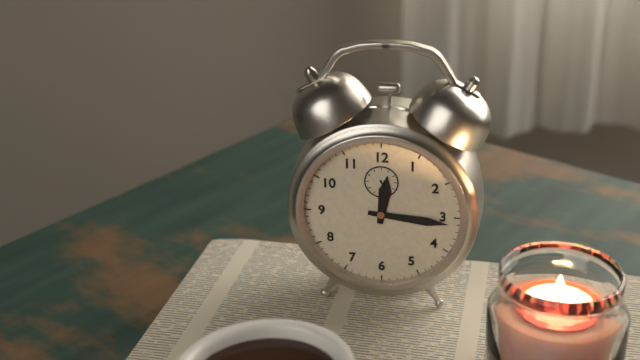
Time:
12.16
